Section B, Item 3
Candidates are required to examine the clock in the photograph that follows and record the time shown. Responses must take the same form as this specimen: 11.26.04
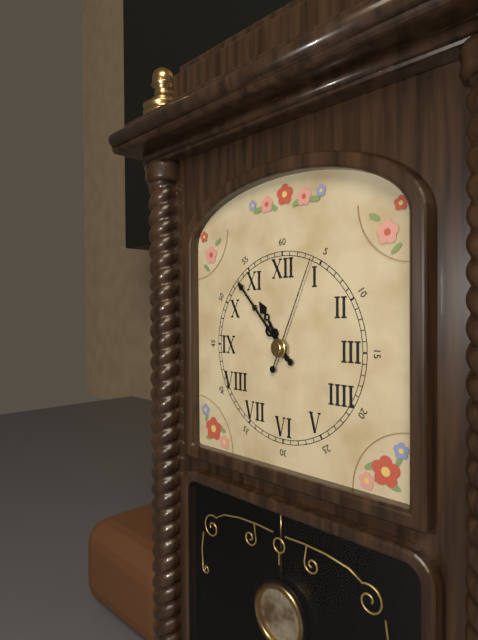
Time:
10.53.04
